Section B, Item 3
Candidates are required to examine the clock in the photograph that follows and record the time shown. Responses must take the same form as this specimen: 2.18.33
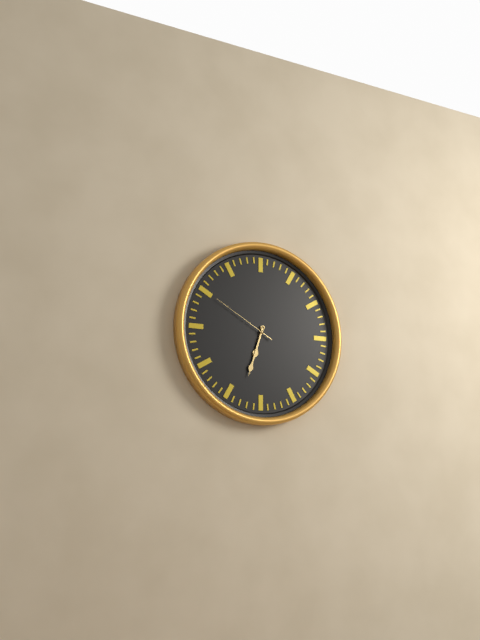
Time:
6.33.50
